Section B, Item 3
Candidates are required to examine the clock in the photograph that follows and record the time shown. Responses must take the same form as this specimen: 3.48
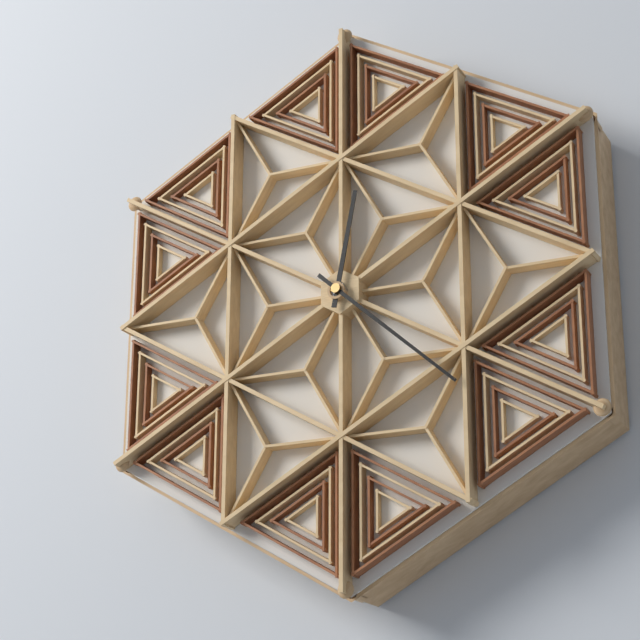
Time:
12.22
